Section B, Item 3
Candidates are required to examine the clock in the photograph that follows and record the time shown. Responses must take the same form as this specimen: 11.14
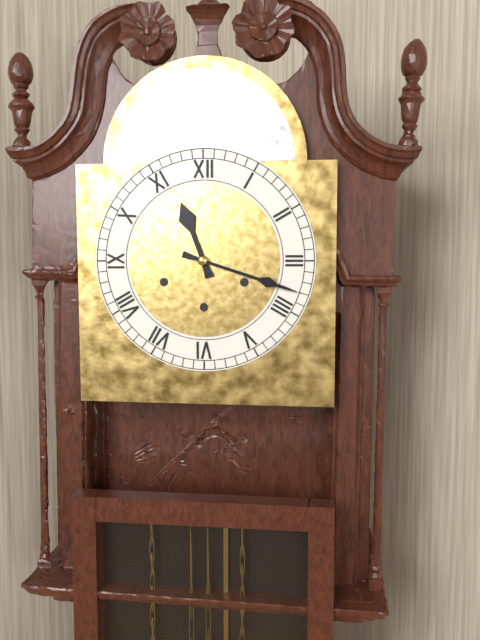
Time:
11.18
